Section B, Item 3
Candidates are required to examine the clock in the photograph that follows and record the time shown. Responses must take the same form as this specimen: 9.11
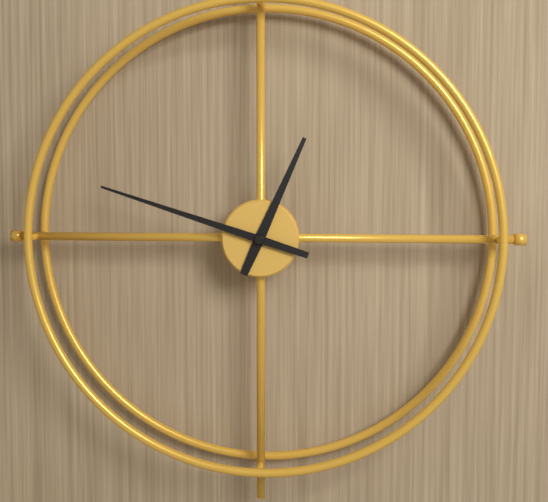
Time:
12.48
